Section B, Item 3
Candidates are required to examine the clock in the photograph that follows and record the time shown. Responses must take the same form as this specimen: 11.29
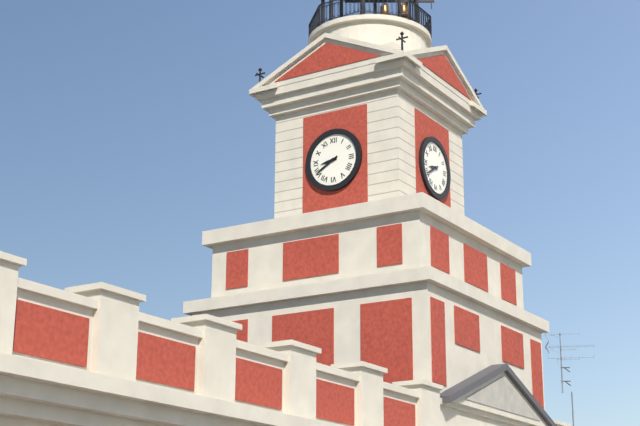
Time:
8.40
